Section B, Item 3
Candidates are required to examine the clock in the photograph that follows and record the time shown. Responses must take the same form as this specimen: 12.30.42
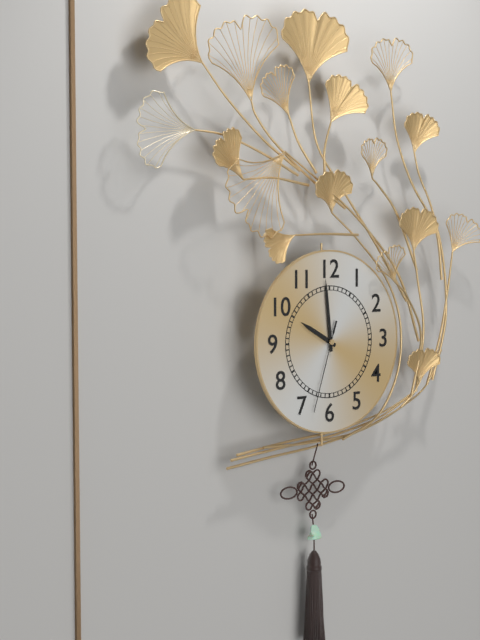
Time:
9.59.33
